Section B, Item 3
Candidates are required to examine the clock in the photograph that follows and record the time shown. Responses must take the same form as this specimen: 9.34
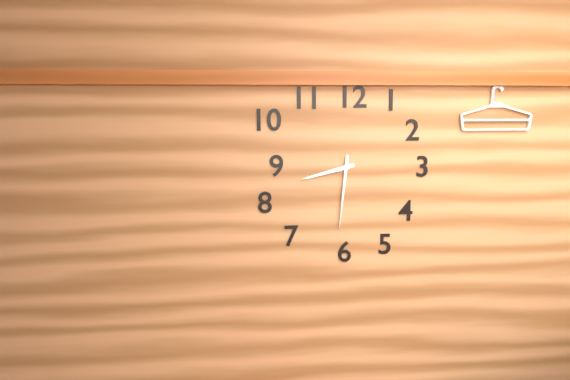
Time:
8.31
